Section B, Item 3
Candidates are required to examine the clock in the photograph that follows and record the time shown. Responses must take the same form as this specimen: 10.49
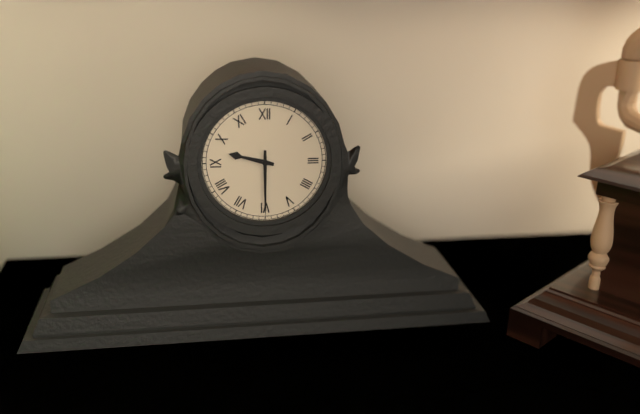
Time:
9.30
